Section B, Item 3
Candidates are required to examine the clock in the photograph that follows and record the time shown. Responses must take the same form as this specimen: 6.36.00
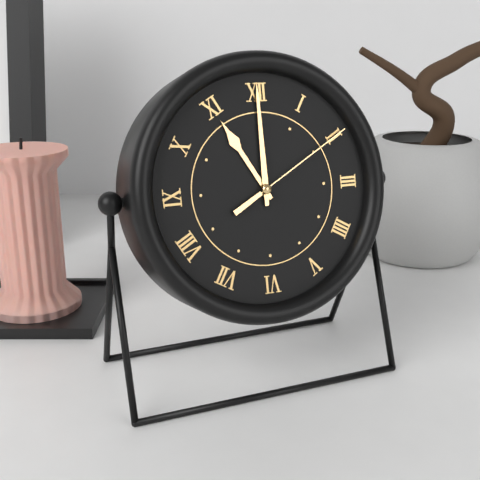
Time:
11.00.10
